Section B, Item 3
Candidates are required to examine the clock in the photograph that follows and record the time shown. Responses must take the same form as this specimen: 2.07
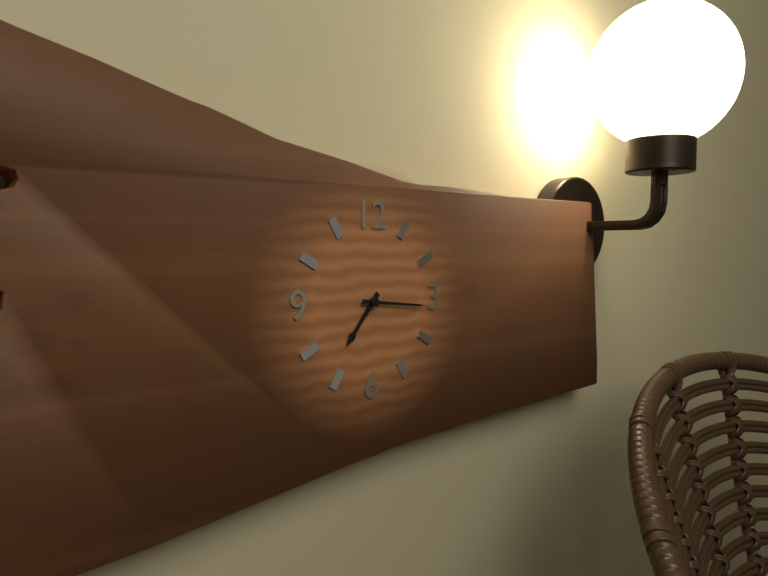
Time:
7.16
